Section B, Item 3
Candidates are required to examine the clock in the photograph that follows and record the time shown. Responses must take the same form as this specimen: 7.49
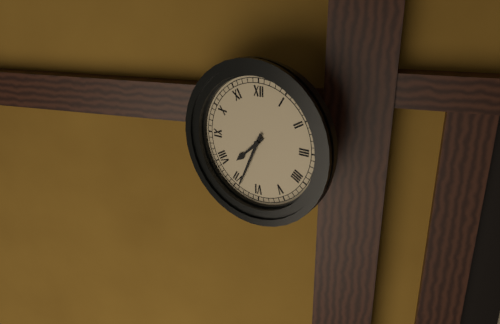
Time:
7.34
